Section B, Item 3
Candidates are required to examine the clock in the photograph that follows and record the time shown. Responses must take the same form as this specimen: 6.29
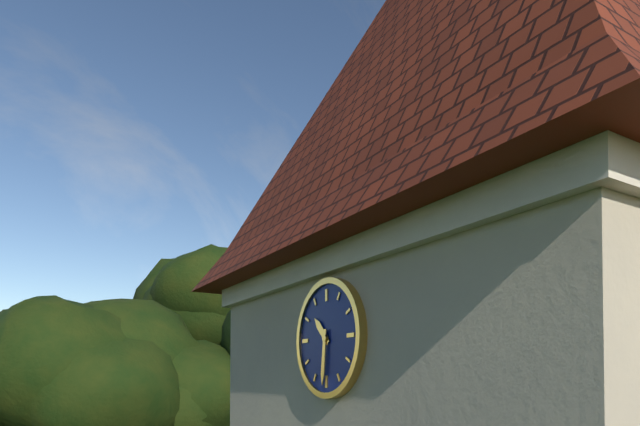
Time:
10.31
